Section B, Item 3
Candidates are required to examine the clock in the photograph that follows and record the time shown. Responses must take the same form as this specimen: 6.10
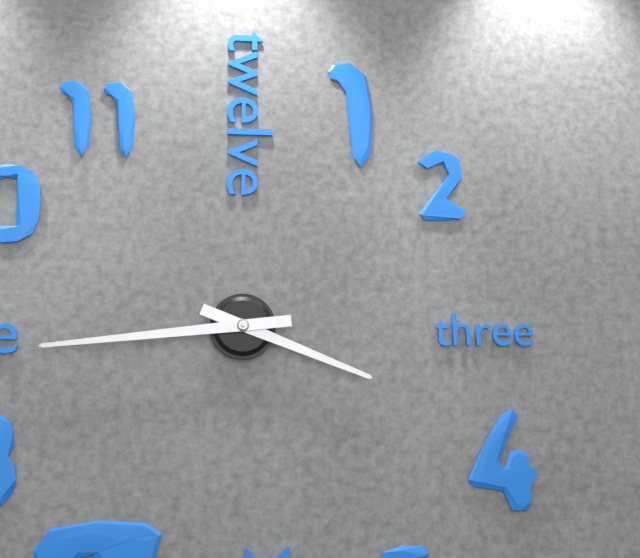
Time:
3.44
